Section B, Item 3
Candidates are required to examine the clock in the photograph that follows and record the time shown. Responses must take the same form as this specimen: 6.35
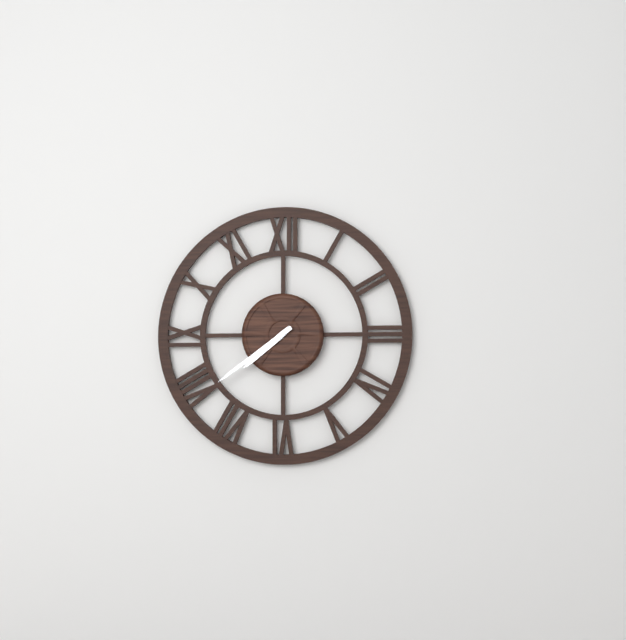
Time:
7.39
